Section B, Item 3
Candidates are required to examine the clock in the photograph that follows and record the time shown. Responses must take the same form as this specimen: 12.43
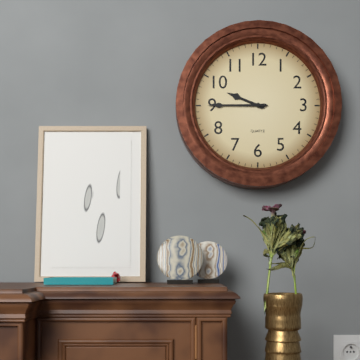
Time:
9.45
